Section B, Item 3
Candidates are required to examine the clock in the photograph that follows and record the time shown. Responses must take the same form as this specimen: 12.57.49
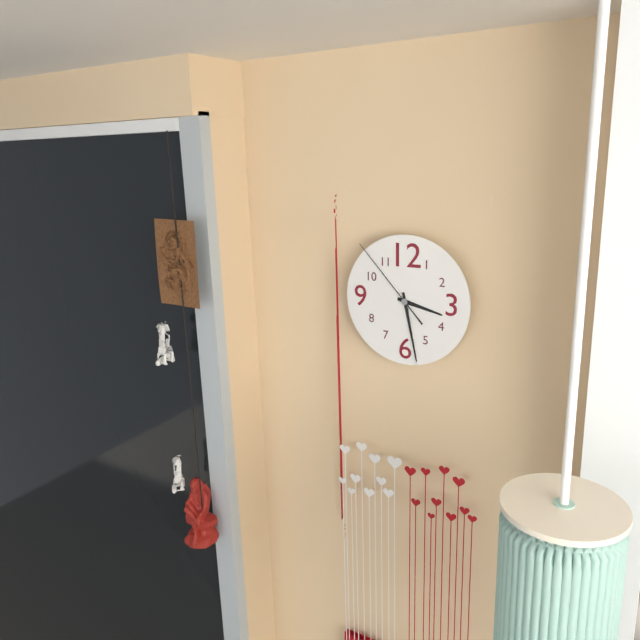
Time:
3.28.53
